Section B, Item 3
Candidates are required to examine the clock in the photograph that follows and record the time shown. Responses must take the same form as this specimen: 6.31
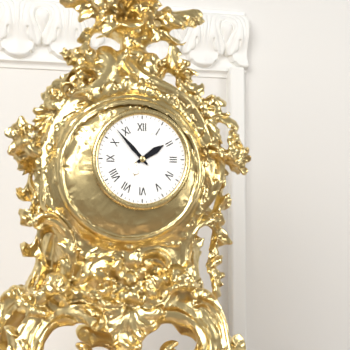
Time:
1.53
